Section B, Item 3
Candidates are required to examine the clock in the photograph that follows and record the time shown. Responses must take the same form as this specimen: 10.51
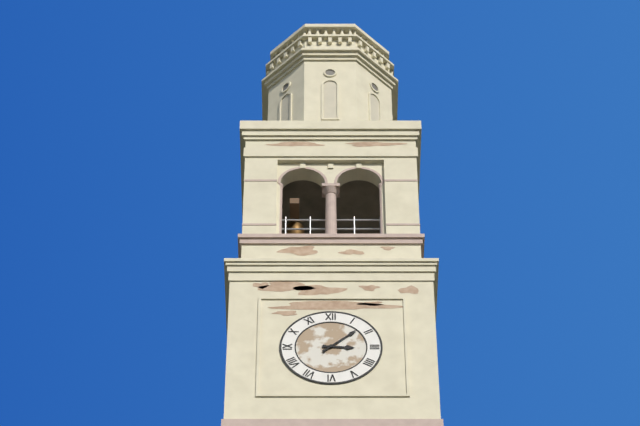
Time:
3.08
